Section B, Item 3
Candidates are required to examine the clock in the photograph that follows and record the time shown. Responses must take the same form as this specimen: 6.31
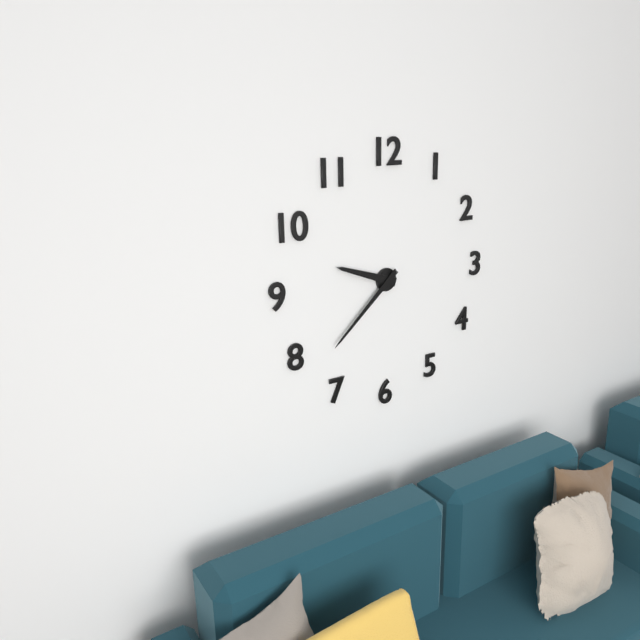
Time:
9.38
